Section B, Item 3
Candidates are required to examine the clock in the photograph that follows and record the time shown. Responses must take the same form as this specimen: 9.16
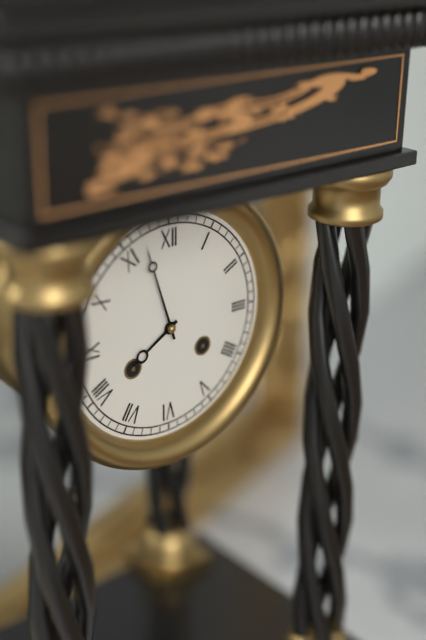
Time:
7.57
